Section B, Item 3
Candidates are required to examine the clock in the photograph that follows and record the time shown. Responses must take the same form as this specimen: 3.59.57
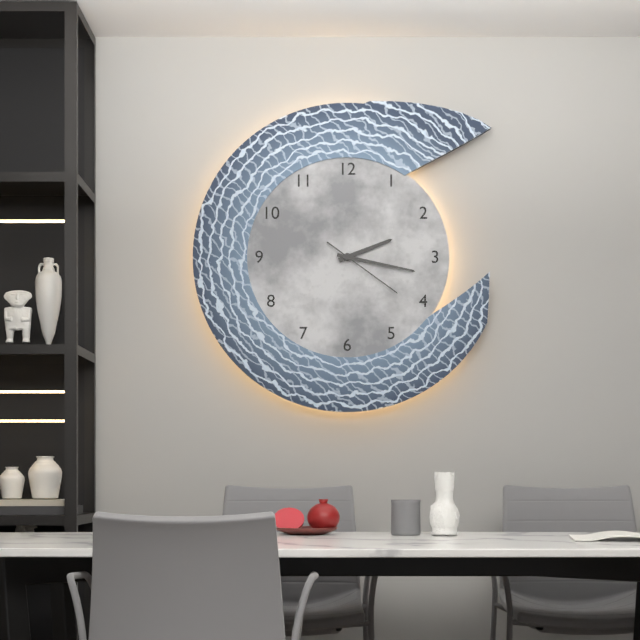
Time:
2.17.21
